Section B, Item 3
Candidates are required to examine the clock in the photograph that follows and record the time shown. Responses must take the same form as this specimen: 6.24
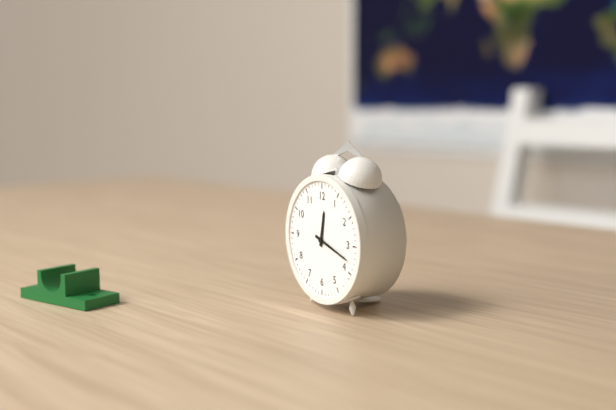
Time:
12.18
